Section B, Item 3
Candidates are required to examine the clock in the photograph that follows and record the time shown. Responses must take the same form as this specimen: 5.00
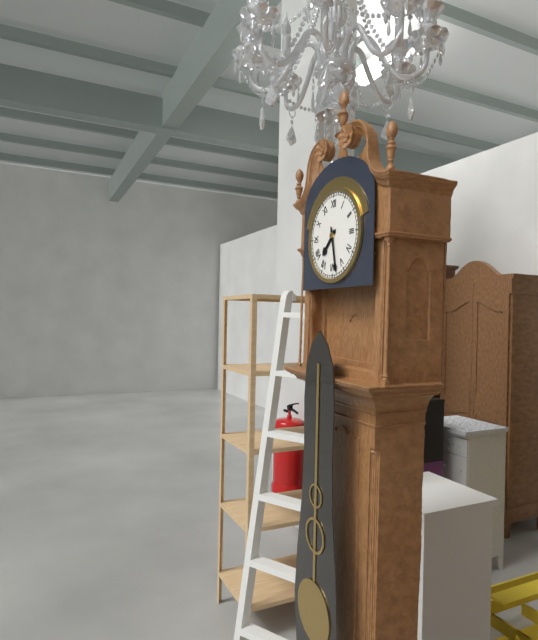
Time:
7.28
